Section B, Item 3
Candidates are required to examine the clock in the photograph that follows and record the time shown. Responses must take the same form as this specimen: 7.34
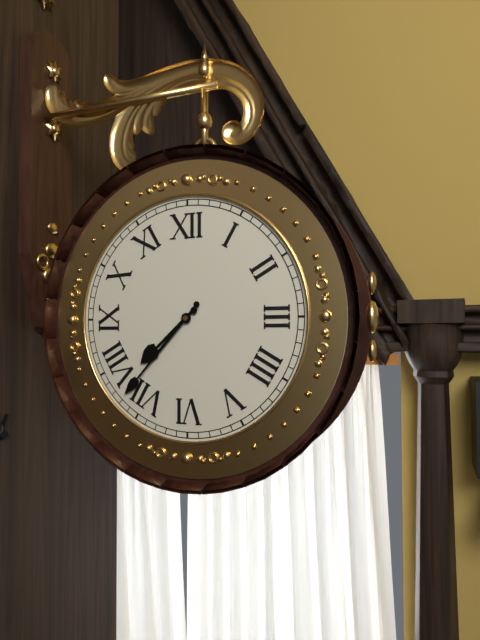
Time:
7.37
